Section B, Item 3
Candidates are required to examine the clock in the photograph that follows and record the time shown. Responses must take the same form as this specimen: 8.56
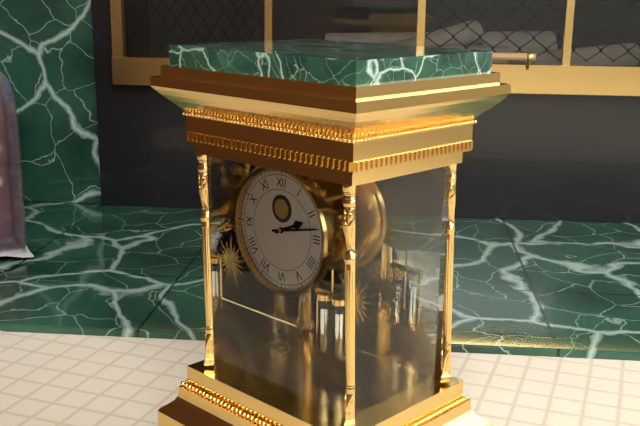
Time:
2.13
